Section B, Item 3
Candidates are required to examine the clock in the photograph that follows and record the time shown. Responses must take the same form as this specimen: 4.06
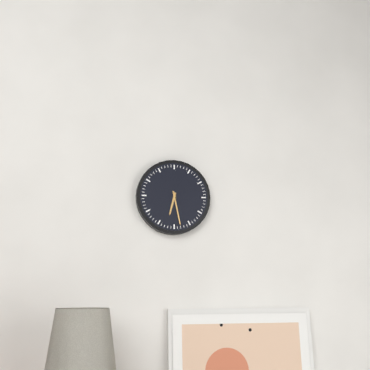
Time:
6.28
